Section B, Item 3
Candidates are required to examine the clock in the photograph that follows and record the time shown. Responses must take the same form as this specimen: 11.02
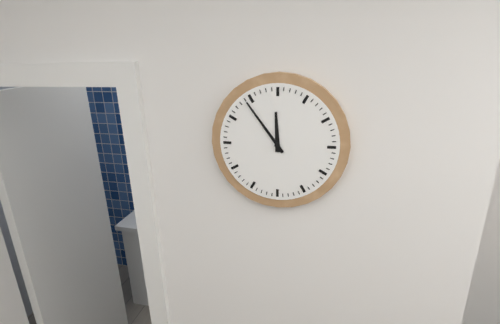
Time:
11.54
